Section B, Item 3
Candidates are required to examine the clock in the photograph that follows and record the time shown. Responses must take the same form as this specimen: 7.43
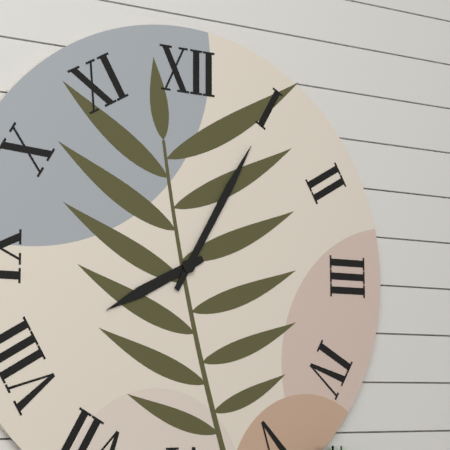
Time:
8.05
